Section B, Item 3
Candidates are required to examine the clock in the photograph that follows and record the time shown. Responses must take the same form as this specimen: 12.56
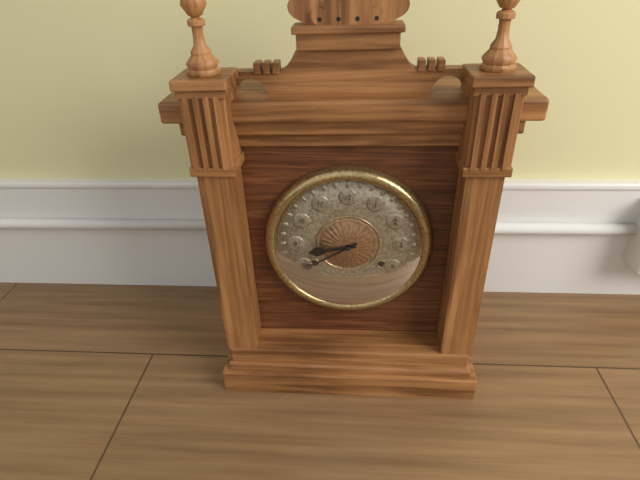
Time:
8.40
